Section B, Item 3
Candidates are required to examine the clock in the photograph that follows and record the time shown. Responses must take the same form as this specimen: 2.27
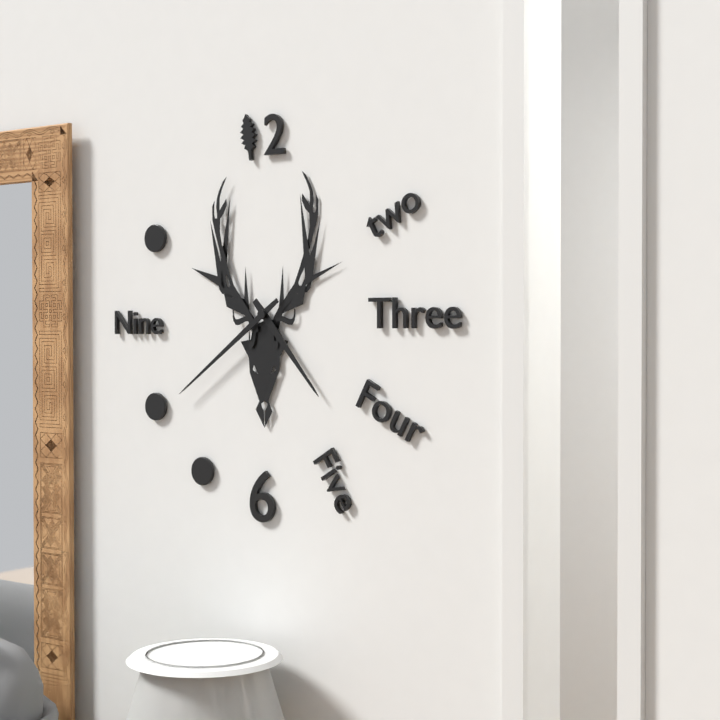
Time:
4.39
